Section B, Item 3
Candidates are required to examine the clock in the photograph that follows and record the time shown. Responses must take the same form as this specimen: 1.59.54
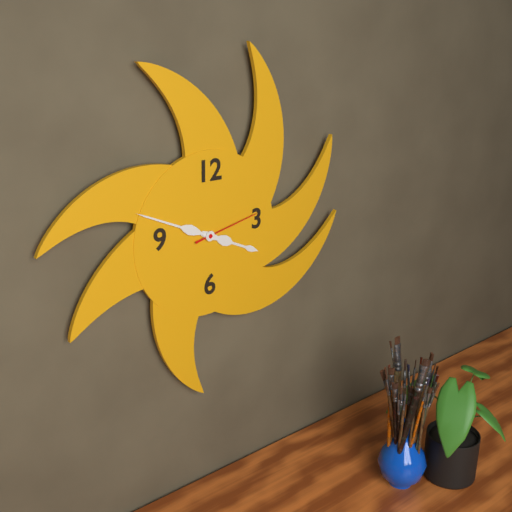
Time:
3.49.13
